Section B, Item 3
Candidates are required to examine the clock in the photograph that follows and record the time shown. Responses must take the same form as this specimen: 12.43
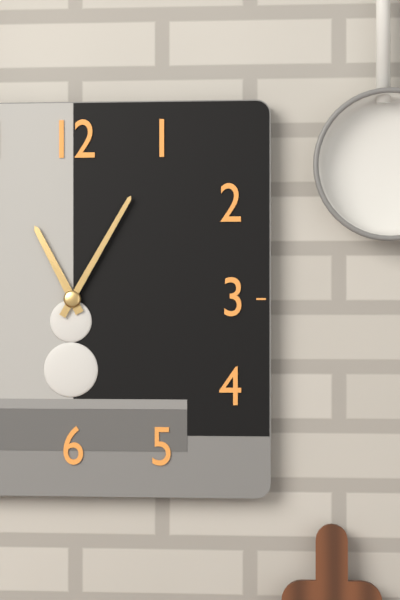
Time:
11.05
